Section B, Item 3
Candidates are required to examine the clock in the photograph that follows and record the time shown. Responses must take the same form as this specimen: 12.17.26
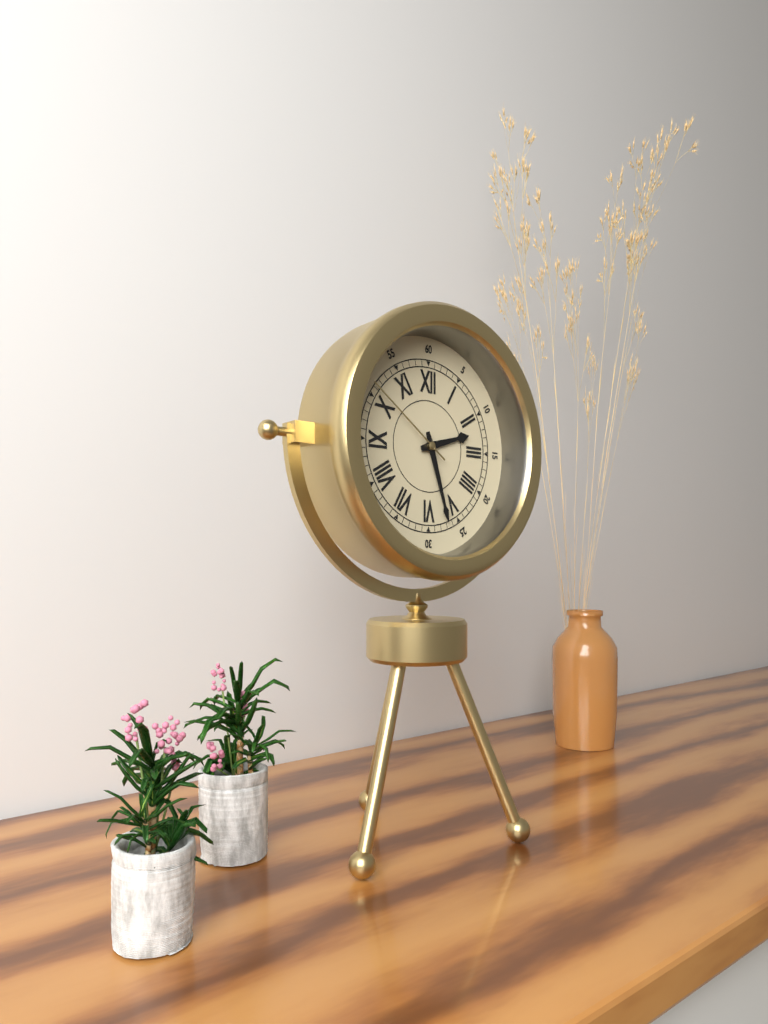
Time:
2.27.51
